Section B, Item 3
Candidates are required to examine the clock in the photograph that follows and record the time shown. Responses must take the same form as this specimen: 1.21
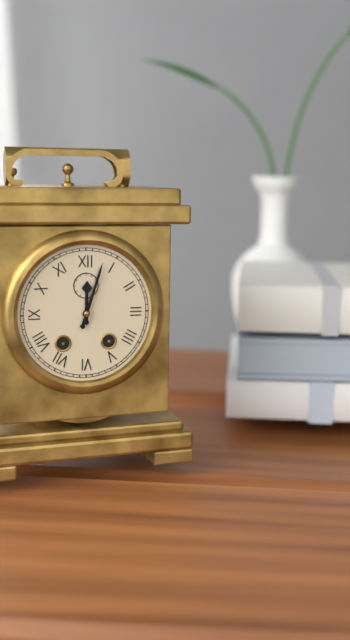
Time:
12.03
